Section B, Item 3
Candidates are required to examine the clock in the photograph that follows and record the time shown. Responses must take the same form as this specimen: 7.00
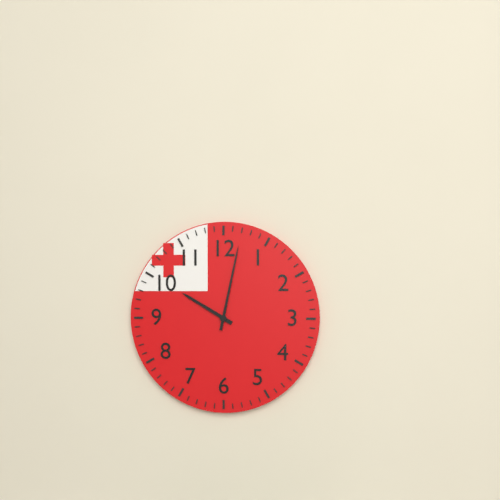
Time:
10.02
